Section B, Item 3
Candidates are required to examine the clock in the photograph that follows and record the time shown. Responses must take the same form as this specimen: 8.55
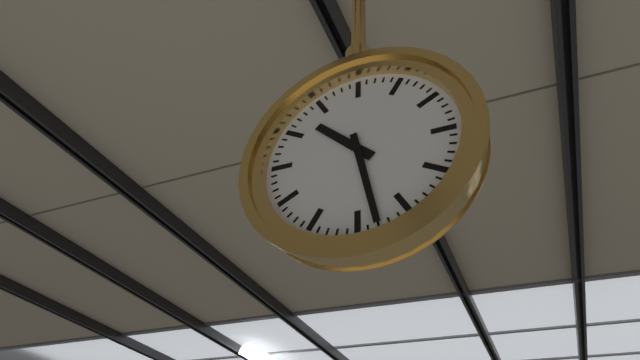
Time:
10.28
